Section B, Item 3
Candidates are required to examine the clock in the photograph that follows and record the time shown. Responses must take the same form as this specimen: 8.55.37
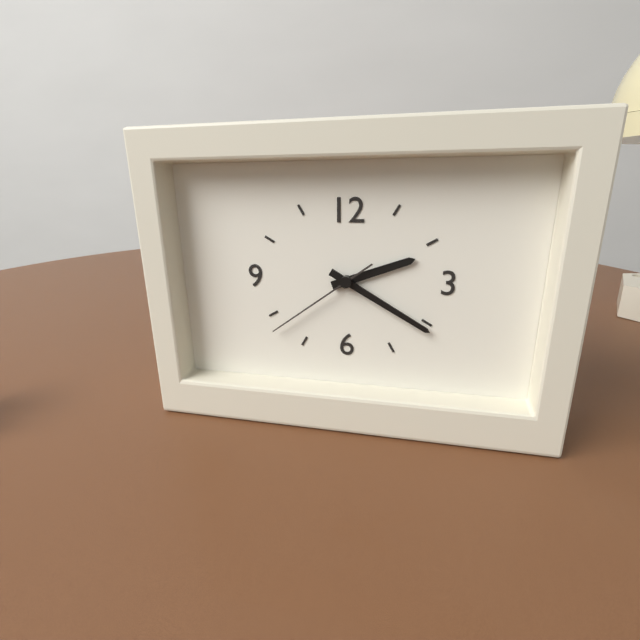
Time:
2.20.39
